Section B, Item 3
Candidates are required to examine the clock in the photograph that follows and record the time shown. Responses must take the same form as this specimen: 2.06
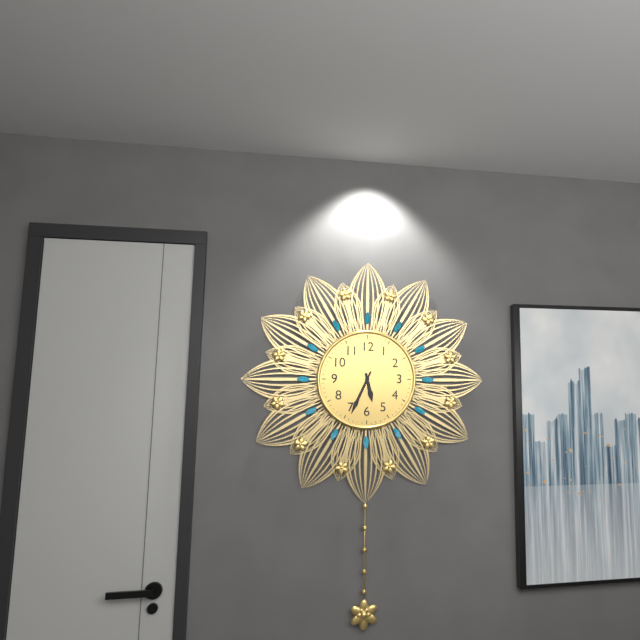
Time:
5.34
